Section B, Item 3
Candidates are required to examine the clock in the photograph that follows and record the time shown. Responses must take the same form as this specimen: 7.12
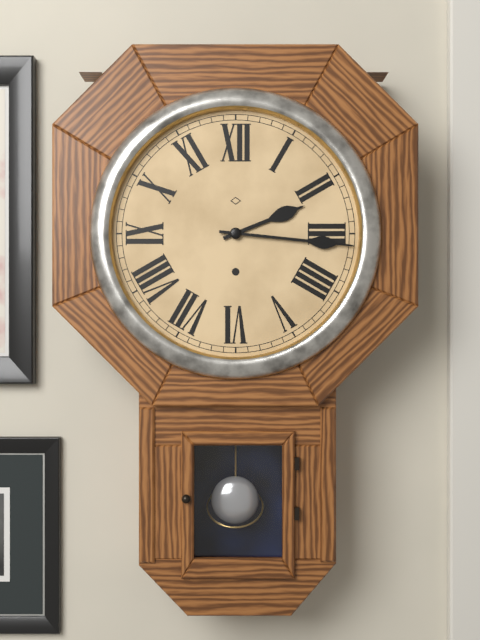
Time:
2.16
